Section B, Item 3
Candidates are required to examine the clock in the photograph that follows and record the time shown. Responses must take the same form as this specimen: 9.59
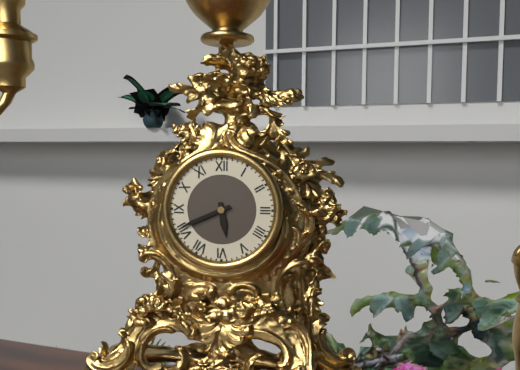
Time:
5.41
